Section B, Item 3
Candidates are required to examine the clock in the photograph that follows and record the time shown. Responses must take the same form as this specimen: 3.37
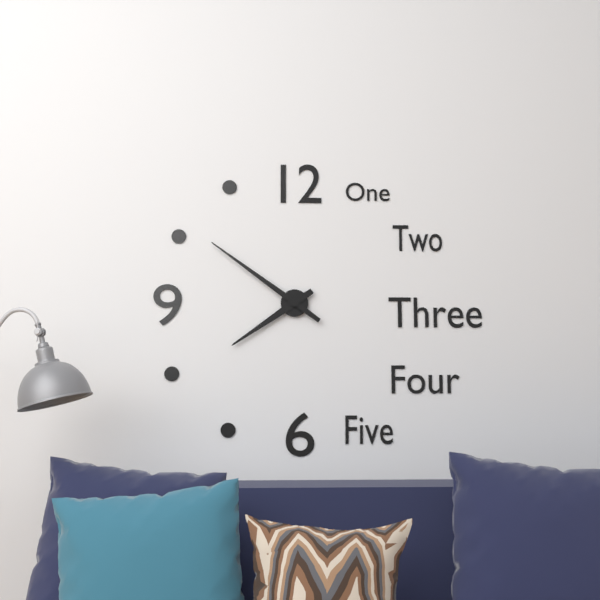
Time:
7.51
